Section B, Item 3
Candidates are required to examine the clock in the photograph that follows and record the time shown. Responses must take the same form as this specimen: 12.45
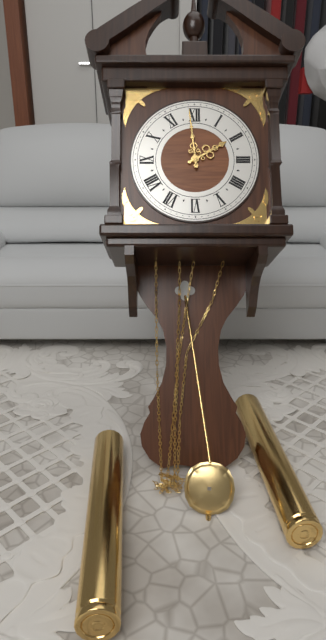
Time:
1.59
